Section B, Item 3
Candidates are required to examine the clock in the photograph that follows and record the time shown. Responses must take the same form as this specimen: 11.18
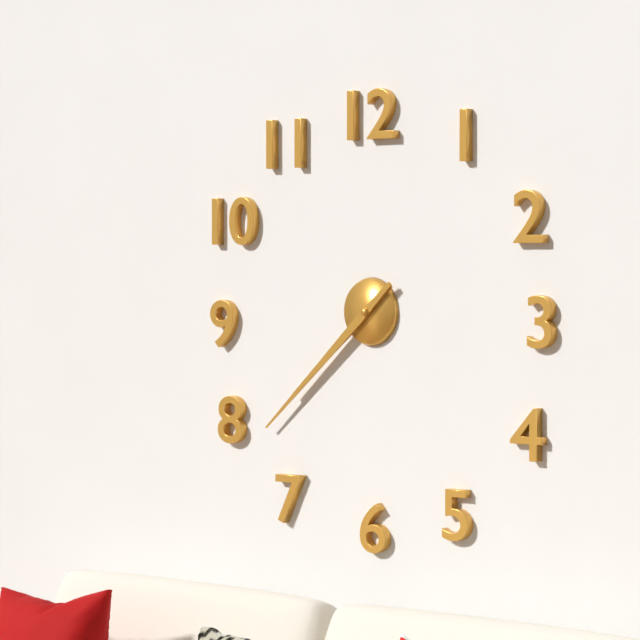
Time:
7.38
